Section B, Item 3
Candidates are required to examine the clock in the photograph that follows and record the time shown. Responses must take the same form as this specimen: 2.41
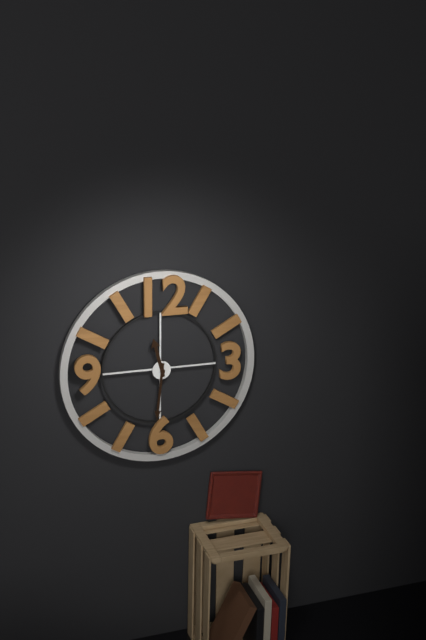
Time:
11.31
